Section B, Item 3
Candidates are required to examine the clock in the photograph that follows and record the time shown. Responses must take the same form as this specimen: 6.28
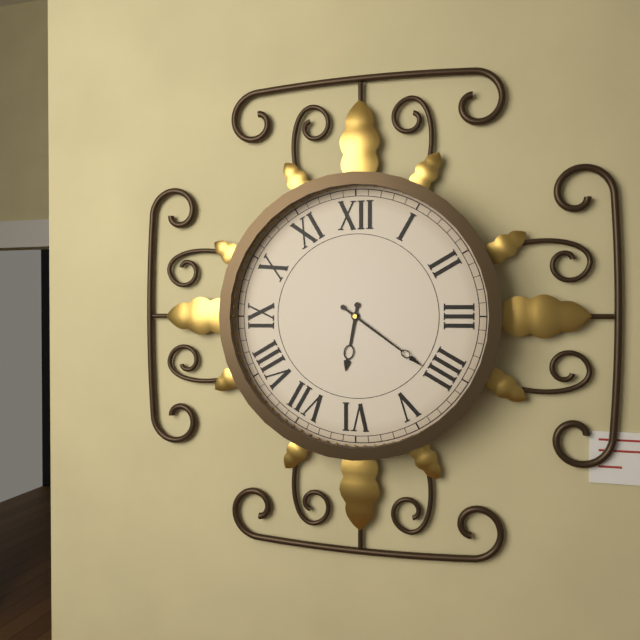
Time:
6.21
